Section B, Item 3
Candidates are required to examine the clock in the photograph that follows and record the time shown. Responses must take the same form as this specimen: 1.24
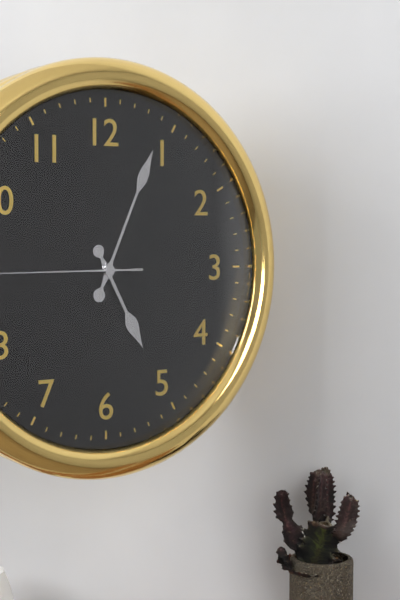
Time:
5.04
